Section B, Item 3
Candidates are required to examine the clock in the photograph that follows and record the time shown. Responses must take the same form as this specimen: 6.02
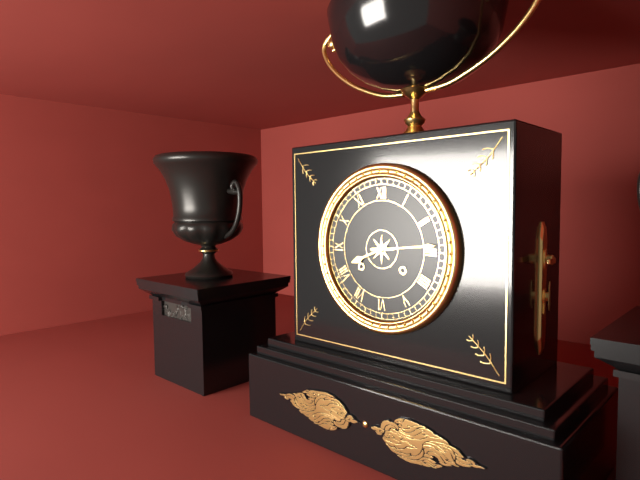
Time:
8.14
